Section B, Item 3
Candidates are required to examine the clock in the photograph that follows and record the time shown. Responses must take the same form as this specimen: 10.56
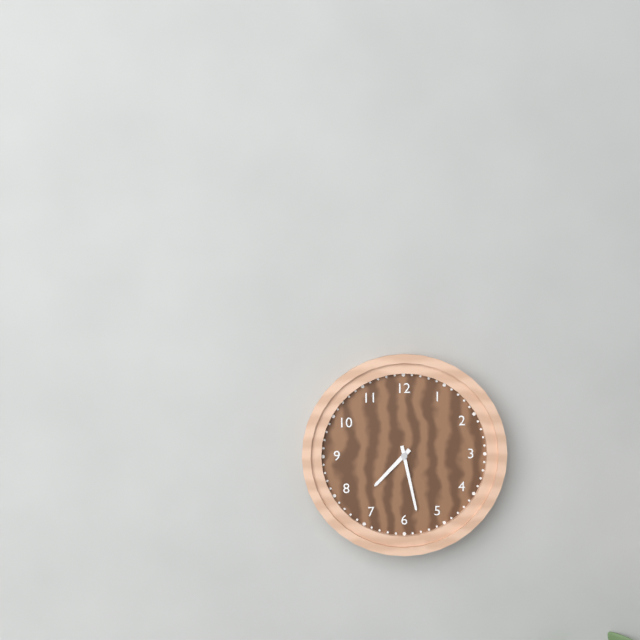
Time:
7.28
